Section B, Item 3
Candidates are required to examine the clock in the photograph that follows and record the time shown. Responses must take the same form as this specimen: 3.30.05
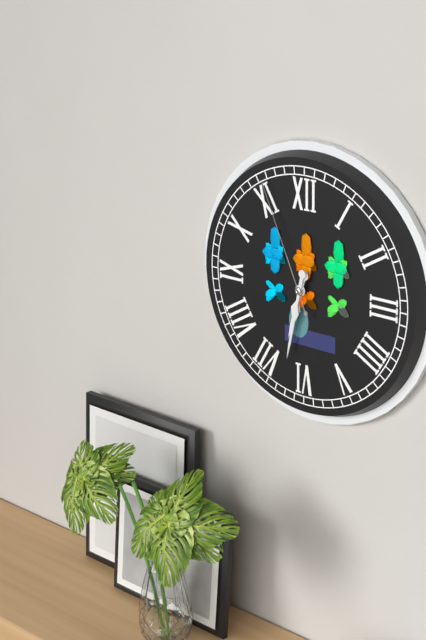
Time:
6.32.56
